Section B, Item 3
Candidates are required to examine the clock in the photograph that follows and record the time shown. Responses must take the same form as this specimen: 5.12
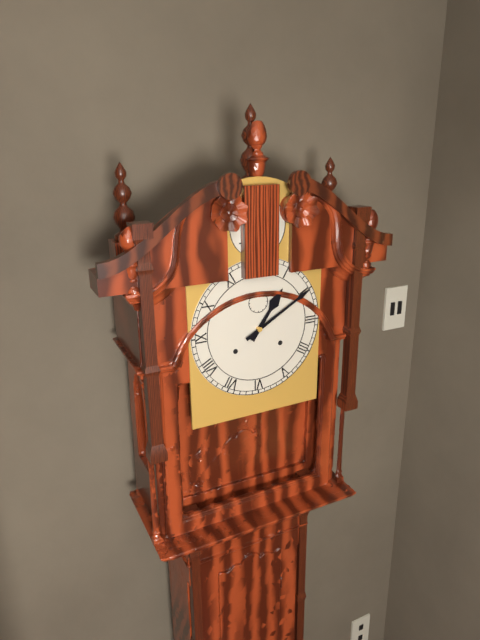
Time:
1.10
